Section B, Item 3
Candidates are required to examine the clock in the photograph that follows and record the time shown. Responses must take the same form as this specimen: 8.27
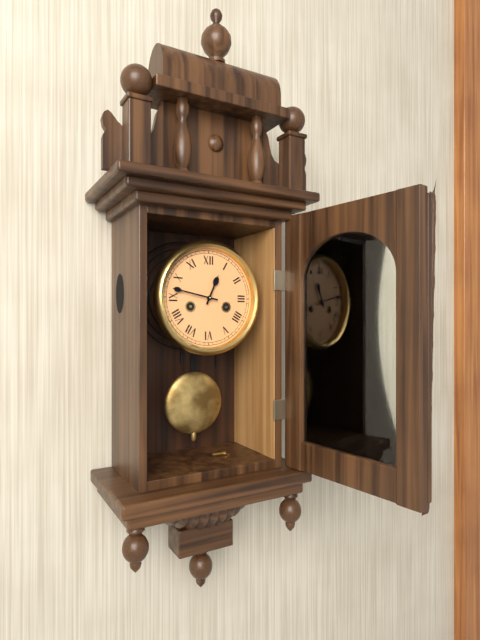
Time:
12.47
